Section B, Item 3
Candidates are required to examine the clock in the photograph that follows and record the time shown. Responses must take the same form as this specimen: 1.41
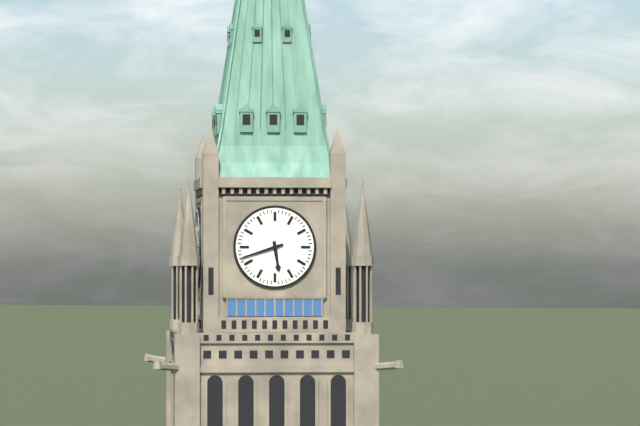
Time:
5.42
